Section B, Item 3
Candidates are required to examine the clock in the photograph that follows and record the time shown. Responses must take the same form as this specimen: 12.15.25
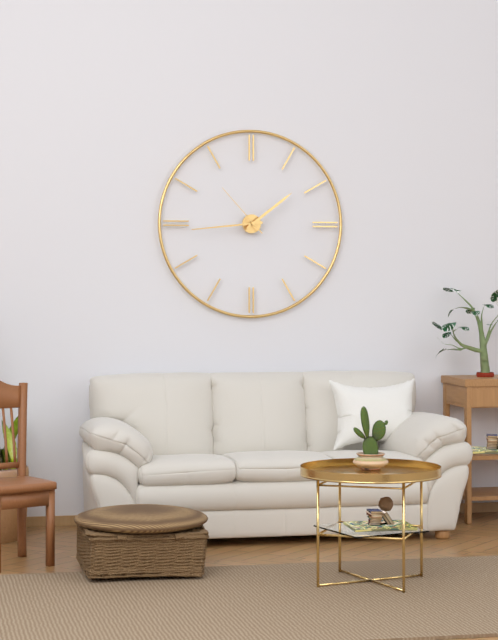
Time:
1.44.53
